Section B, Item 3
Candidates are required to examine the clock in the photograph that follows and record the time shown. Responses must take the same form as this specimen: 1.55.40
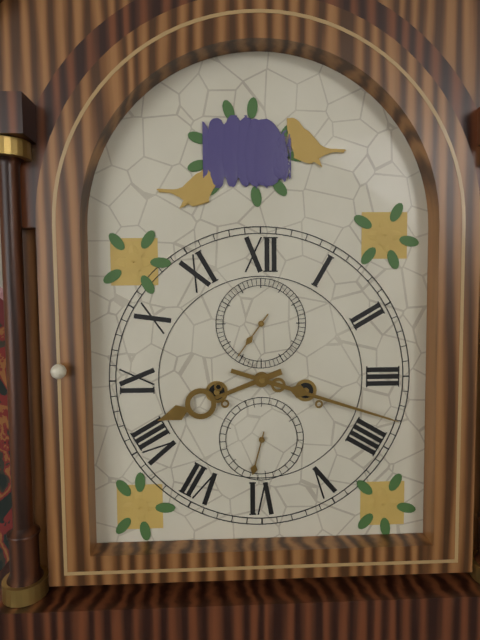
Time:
8.18.36
